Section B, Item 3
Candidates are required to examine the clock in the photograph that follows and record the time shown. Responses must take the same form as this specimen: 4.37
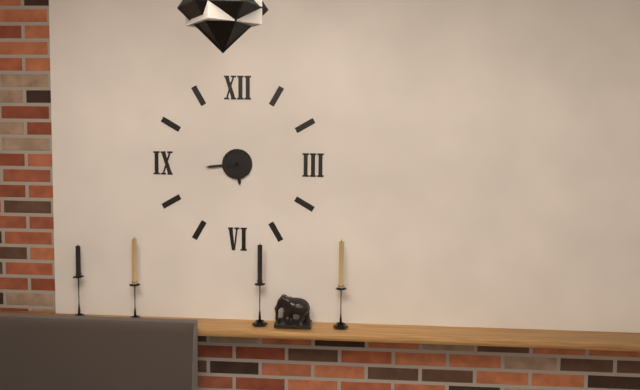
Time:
5.44
